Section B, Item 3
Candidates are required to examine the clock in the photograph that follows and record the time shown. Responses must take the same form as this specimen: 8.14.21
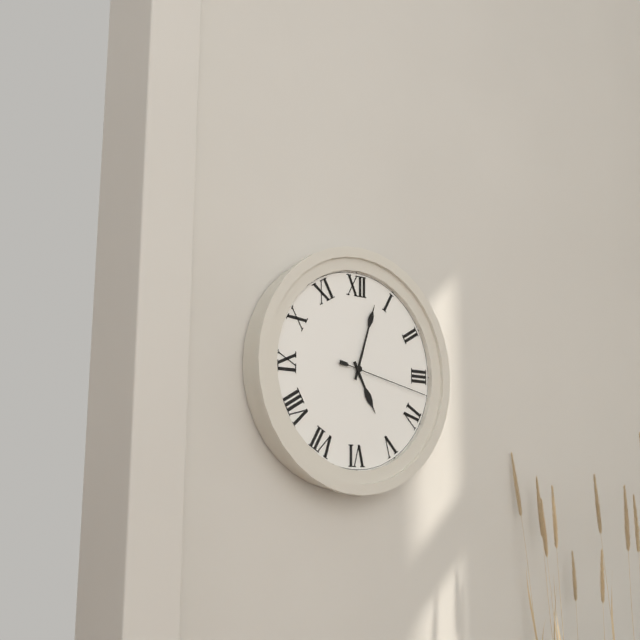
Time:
5.03.17
